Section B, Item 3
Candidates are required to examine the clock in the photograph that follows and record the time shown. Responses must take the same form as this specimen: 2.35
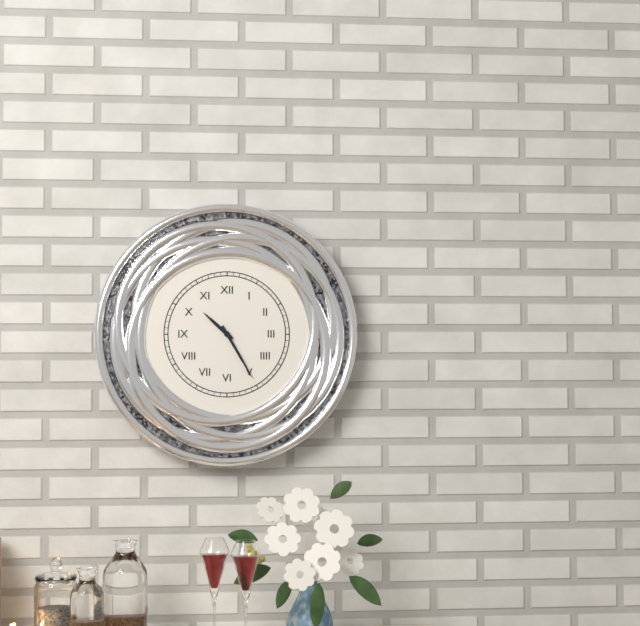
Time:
10.25
